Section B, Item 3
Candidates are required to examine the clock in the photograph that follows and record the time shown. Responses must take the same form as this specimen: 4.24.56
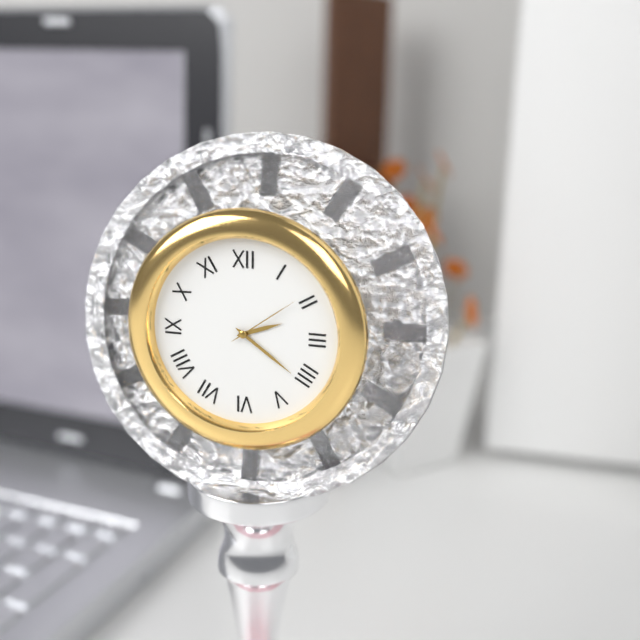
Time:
2.21.09
